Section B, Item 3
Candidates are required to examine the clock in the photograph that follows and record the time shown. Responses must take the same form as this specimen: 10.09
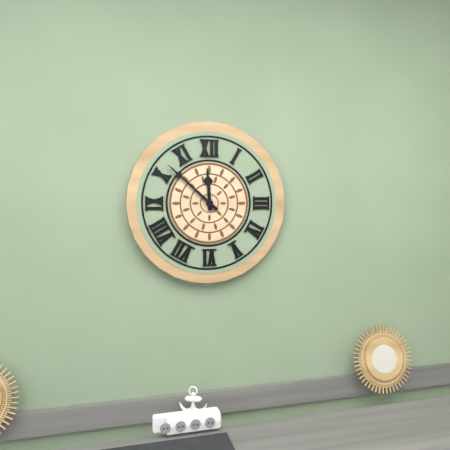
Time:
11.52
